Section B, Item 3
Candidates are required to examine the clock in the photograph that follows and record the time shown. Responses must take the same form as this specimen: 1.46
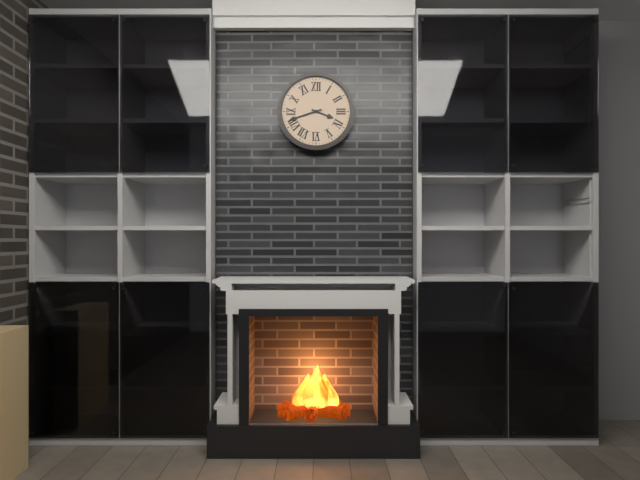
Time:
3.42
